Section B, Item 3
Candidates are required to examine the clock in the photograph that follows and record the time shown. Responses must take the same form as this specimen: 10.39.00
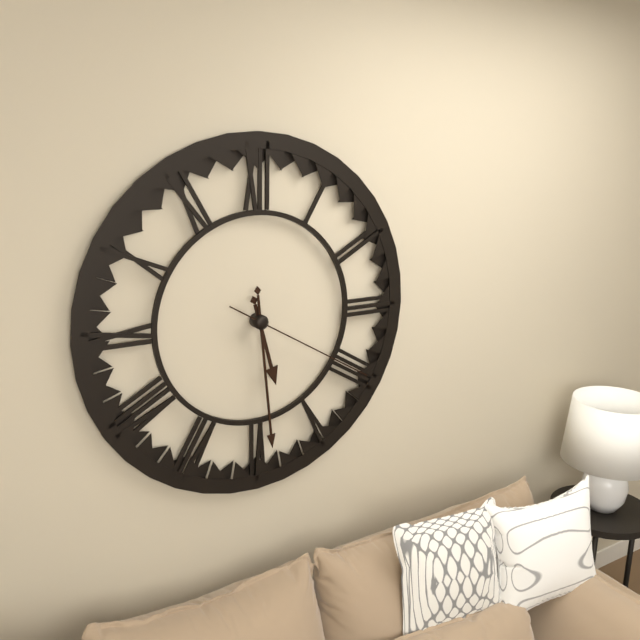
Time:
5.29.20
